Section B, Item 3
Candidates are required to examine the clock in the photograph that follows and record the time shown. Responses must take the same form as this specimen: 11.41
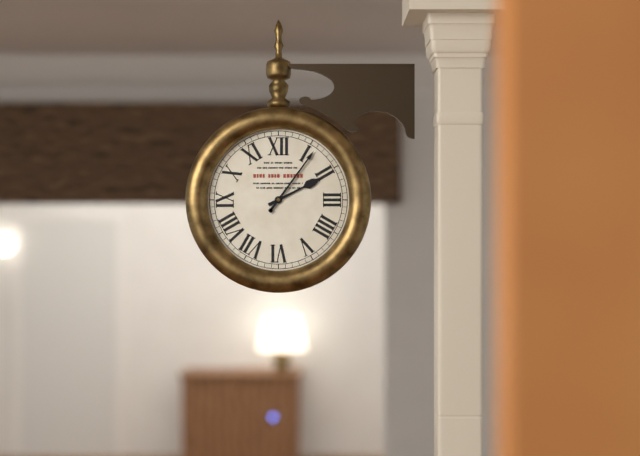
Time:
2.06
